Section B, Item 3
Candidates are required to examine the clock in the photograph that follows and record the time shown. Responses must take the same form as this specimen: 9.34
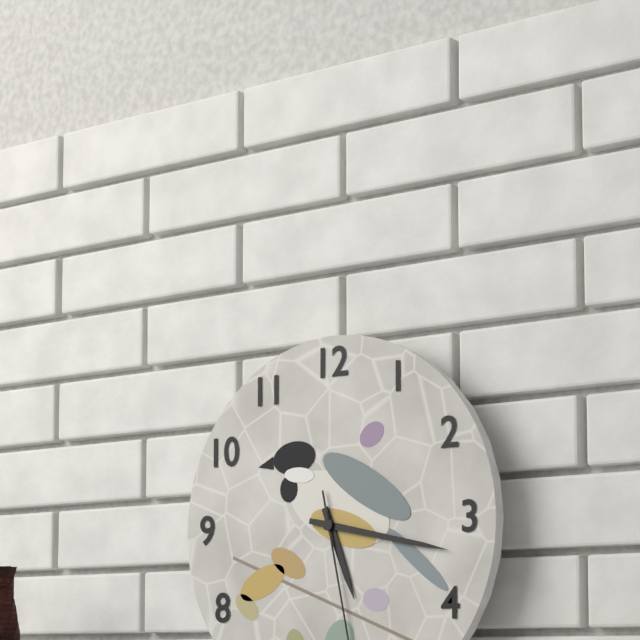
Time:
5.17
